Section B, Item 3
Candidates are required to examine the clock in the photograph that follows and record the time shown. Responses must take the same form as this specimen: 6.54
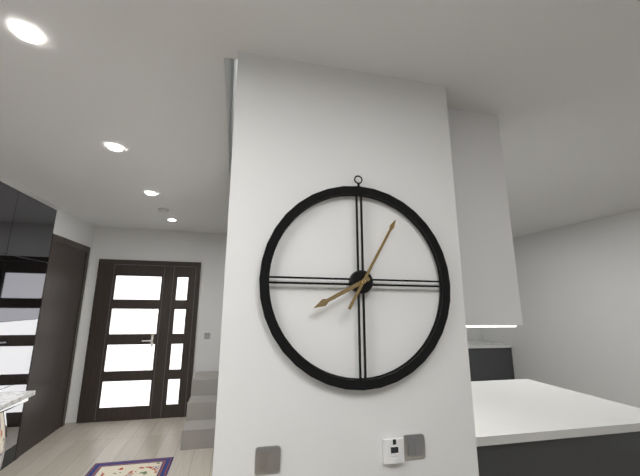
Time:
8.05
